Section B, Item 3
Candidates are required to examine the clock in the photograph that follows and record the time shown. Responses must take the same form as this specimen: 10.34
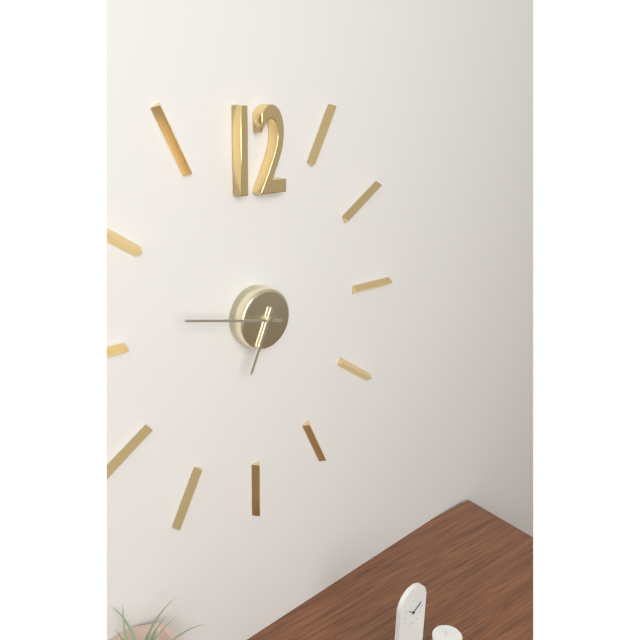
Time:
6.47
